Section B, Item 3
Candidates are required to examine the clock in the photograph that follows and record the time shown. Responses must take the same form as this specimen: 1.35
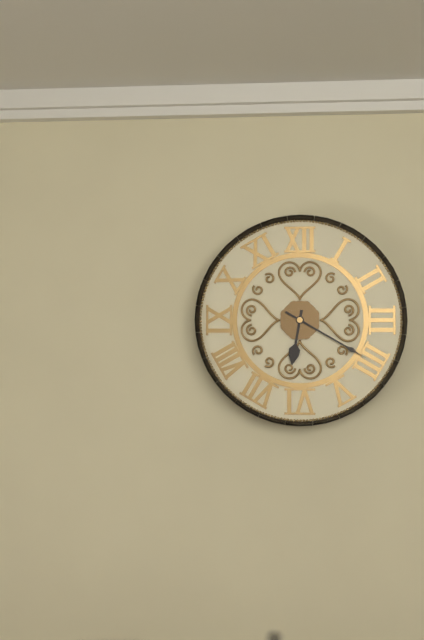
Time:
6.20
